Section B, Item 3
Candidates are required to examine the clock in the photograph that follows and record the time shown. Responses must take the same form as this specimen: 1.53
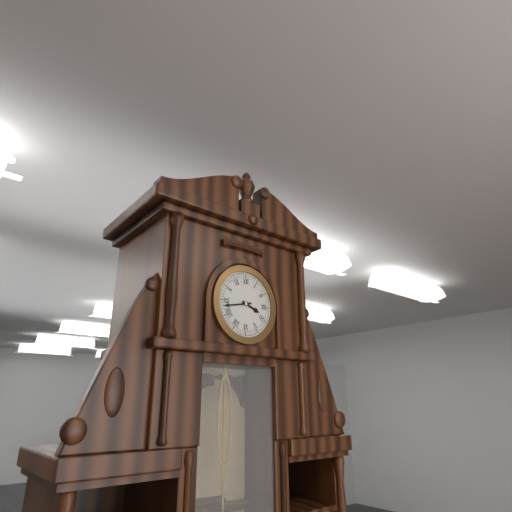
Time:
3.43
